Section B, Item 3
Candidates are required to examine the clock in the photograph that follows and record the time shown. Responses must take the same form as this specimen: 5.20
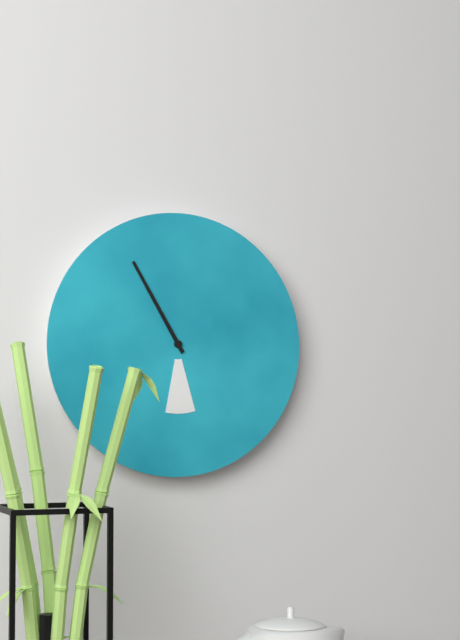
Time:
5.55
